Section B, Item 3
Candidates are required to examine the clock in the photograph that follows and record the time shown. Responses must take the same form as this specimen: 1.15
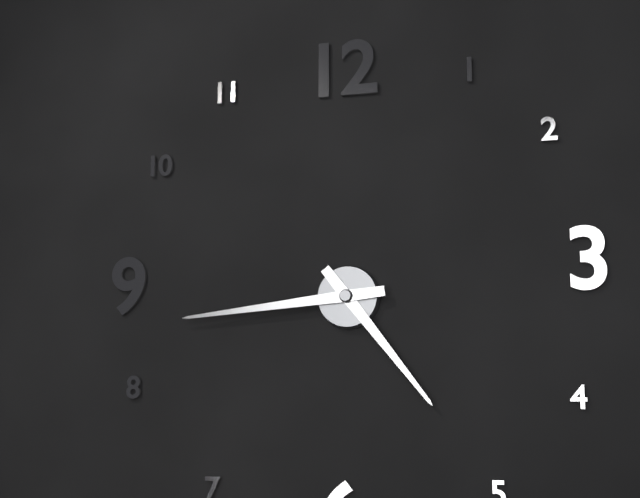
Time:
4.44
